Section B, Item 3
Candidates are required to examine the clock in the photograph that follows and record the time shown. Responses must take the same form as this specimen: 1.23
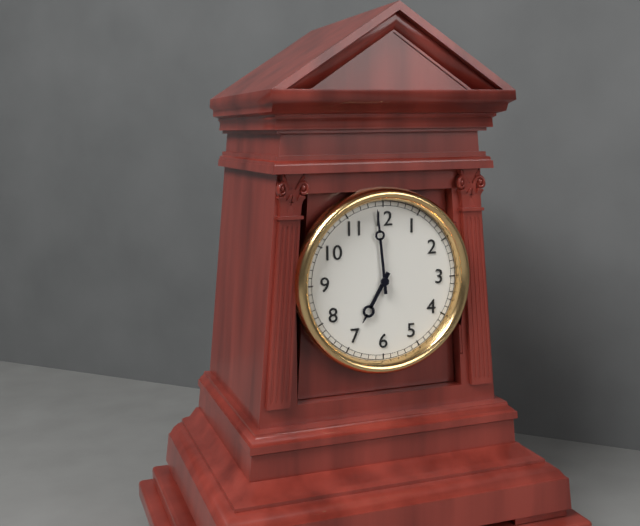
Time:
6.59
